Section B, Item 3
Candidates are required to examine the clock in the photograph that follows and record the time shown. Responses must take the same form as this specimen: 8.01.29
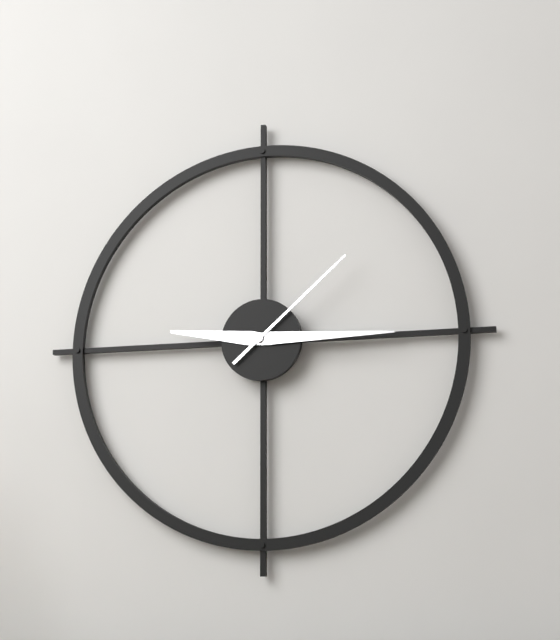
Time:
9.15.08
